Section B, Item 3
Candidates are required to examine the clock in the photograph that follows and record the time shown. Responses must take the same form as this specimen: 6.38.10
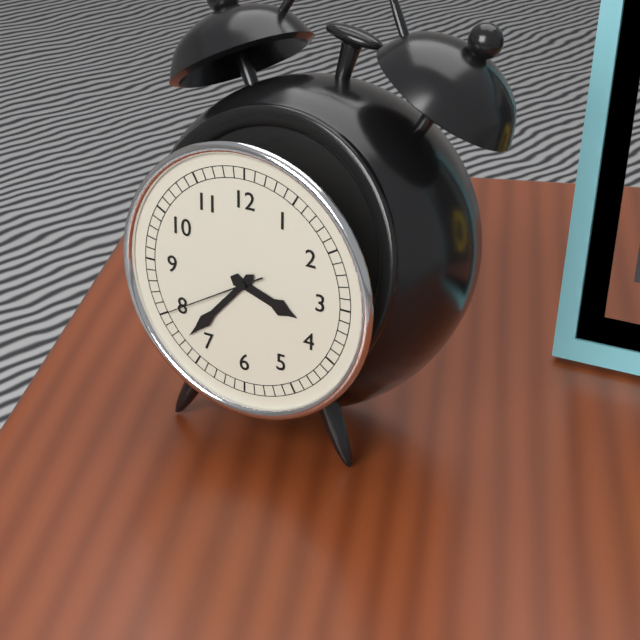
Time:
3.37.40
